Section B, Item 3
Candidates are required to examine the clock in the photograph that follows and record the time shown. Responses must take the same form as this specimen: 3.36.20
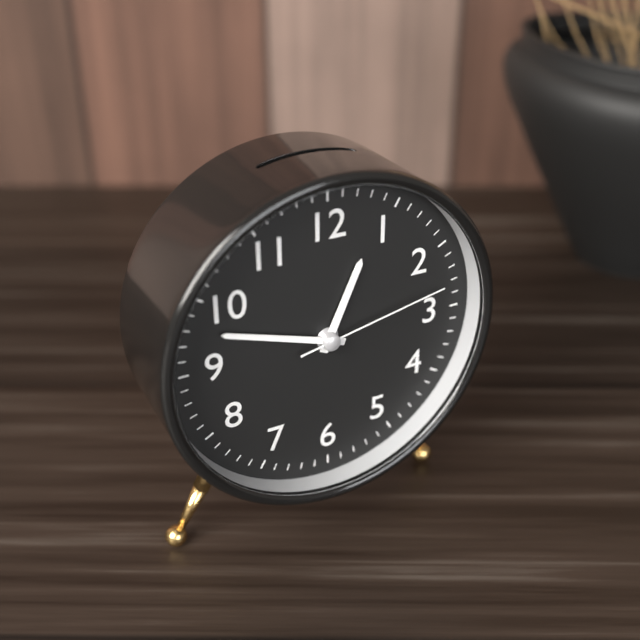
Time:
12.48.13
